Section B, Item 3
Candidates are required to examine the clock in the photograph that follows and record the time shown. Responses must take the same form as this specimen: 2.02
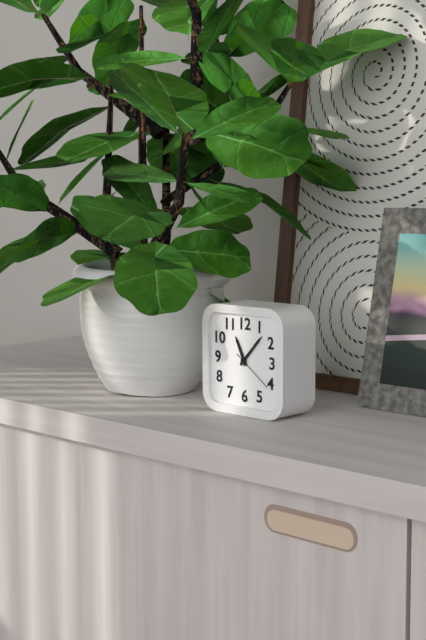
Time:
11.07
